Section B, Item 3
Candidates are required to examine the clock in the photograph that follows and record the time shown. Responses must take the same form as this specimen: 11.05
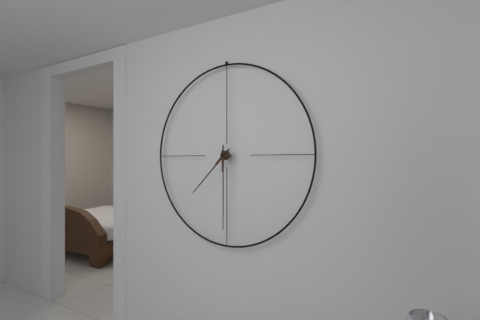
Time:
7.30
